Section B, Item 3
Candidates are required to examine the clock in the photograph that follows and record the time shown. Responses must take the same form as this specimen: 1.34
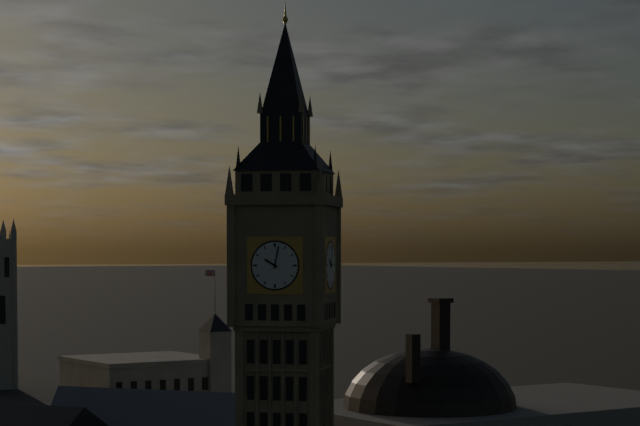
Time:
10.02
